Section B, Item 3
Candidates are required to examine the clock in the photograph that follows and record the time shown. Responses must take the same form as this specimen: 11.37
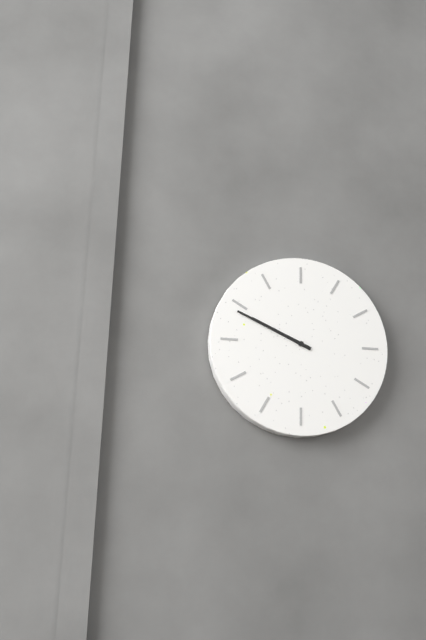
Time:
9.49
